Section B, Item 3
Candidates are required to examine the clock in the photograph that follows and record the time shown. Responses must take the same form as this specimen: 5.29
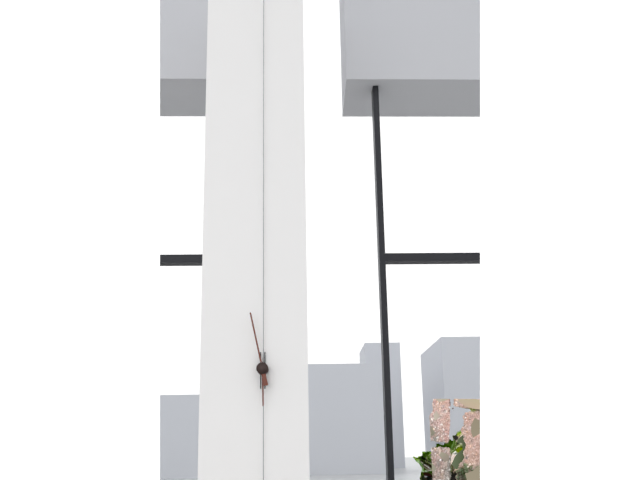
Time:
5.58
